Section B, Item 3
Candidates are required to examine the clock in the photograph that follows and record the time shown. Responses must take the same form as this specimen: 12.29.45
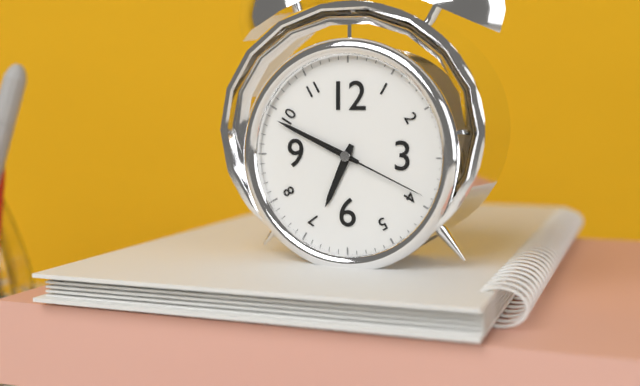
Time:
6.49.19
